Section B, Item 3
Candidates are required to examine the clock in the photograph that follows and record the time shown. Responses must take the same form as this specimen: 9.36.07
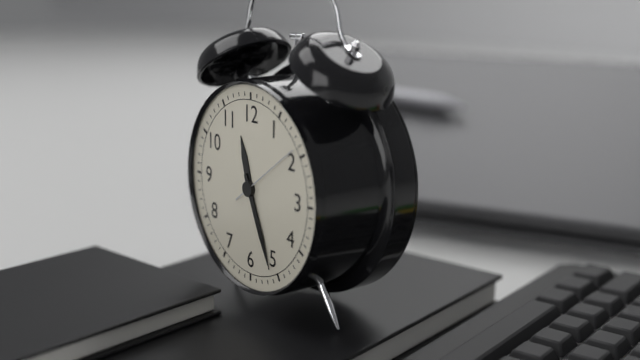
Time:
11.26.09
